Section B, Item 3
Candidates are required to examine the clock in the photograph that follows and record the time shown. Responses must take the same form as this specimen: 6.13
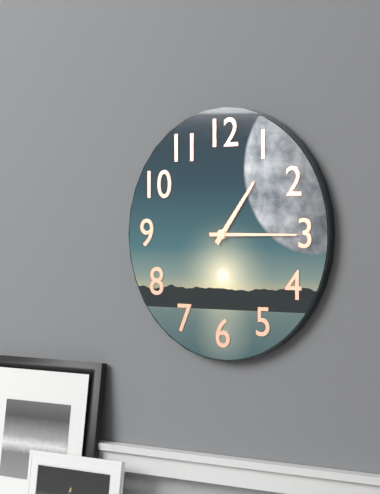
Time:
1.15
